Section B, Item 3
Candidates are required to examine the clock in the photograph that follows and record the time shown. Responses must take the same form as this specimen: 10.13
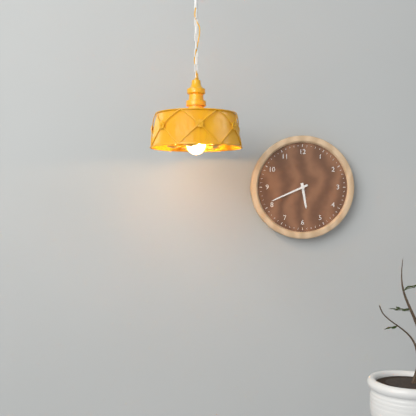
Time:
5.41
